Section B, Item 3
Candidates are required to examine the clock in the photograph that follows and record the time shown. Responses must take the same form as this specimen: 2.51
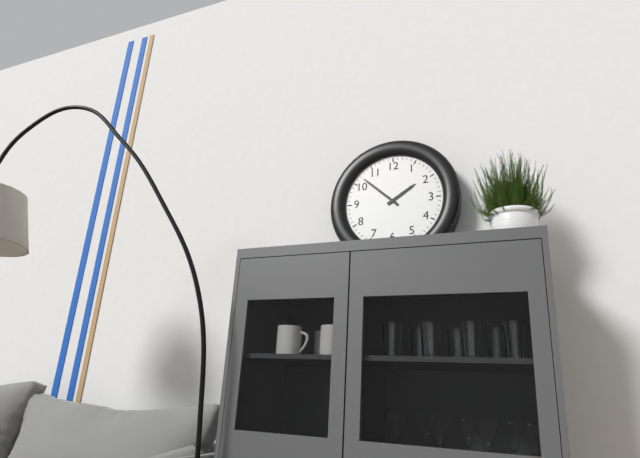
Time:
1.52
